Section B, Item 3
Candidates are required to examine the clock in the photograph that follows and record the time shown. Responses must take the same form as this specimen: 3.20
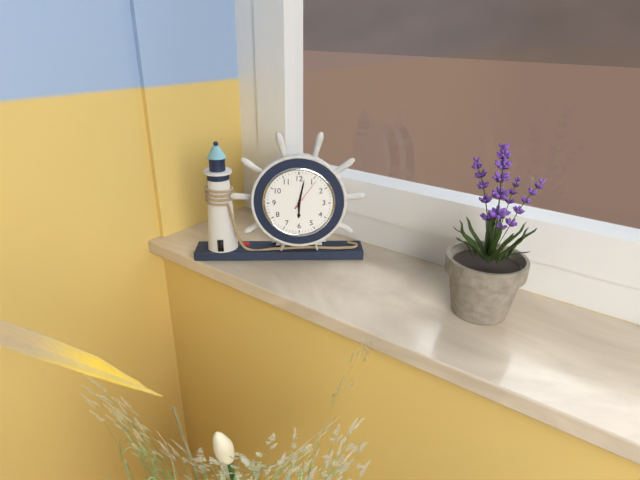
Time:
6.02
